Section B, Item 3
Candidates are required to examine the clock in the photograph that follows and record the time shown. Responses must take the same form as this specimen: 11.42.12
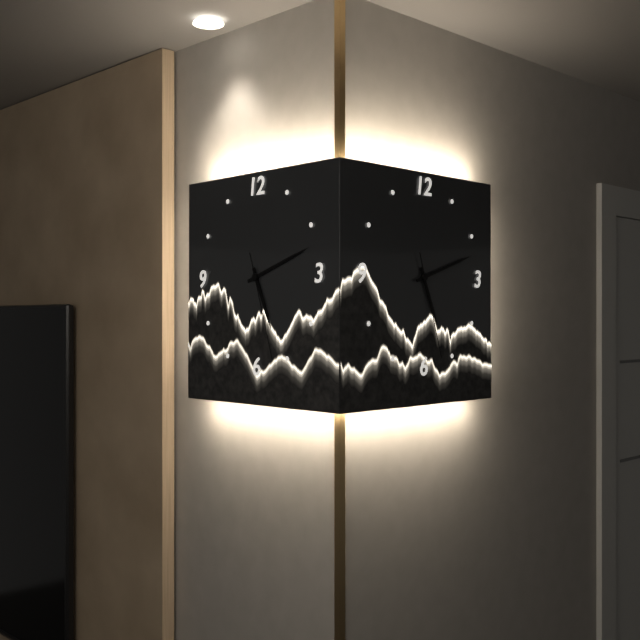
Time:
5.12.27
